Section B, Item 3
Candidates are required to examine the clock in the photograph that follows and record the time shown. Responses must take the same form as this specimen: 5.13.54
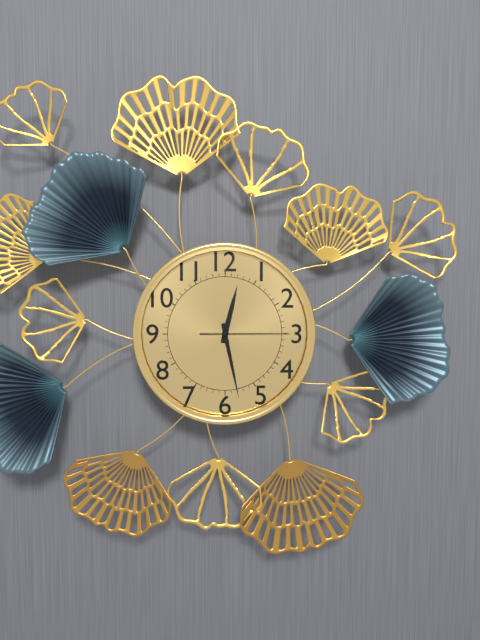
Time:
12.28.15
